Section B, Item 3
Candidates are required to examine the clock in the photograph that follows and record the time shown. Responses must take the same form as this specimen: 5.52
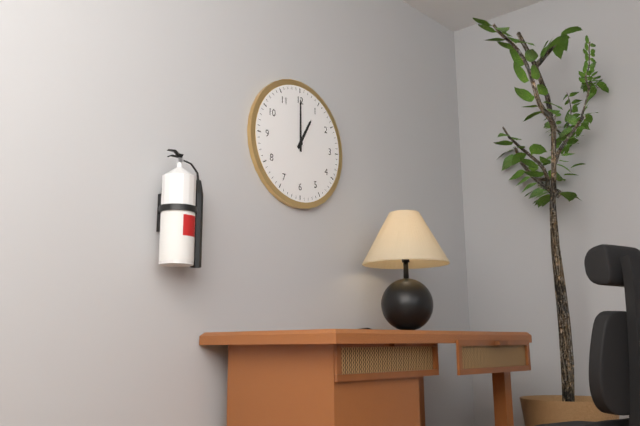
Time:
1.00
